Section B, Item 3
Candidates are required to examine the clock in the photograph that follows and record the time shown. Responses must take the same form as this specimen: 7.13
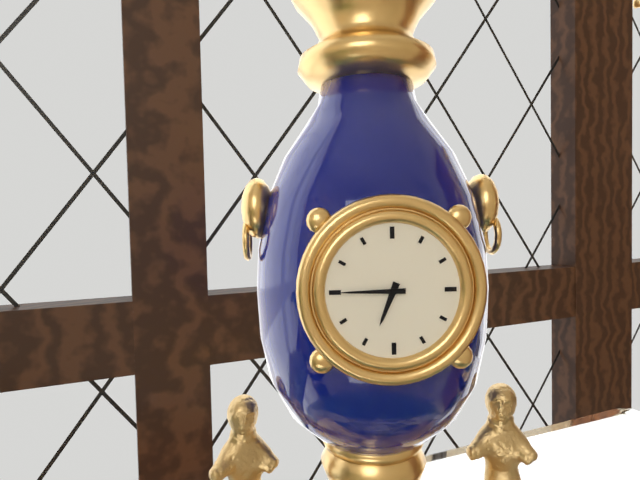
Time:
6.45
